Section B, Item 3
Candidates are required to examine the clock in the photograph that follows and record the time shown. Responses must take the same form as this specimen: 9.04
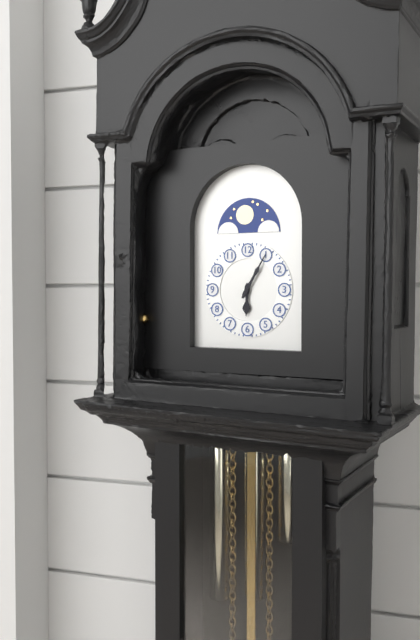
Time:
6.05
